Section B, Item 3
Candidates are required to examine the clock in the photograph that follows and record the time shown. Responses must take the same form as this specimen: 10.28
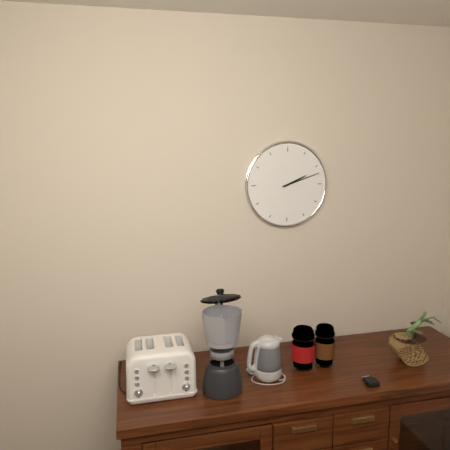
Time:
2.12
